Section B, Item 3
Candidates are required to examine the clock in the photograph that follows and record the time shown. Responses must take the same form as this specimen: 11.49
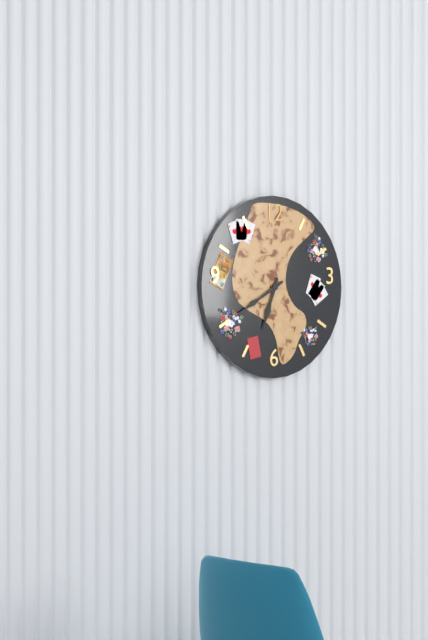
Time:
6.40
